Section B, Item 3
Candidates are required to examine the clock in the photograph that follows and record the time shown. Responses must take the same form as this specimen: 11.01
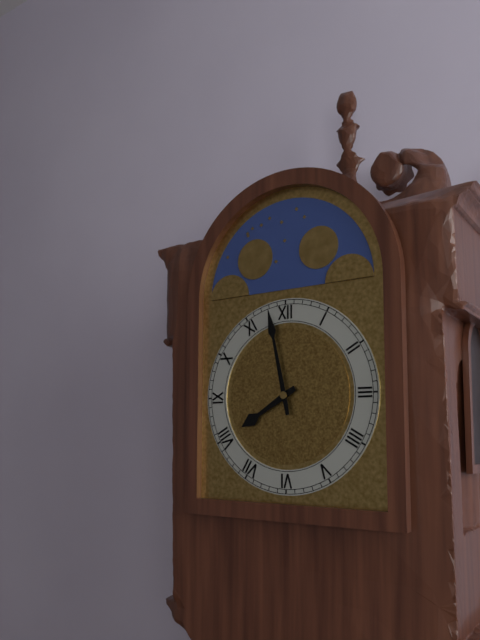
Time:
7.58
